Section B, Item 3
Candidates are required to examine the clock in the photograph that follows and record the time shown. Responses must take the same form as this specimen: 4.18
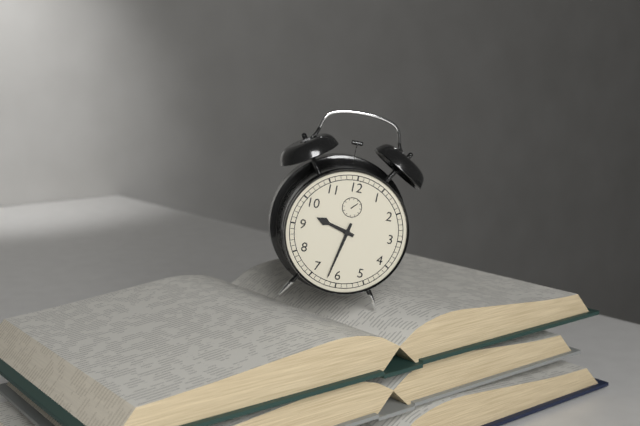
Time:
9.32
